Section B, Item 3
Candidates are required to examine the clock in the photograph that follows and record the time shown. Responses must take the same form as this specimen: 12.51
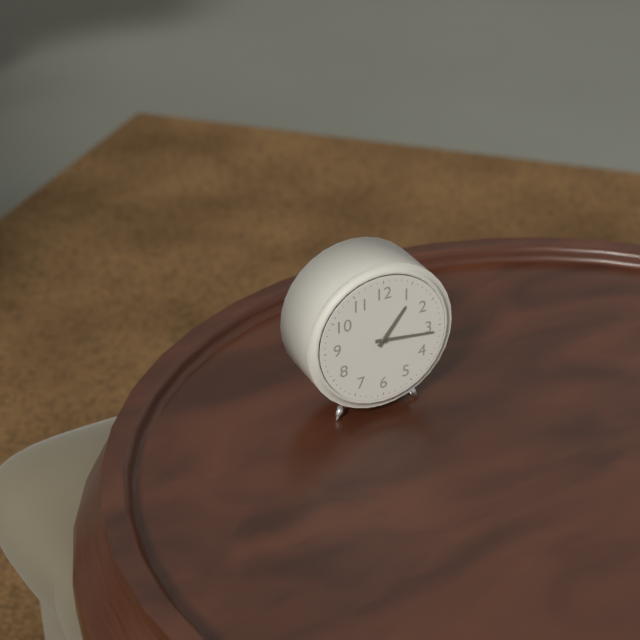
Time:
1.16
